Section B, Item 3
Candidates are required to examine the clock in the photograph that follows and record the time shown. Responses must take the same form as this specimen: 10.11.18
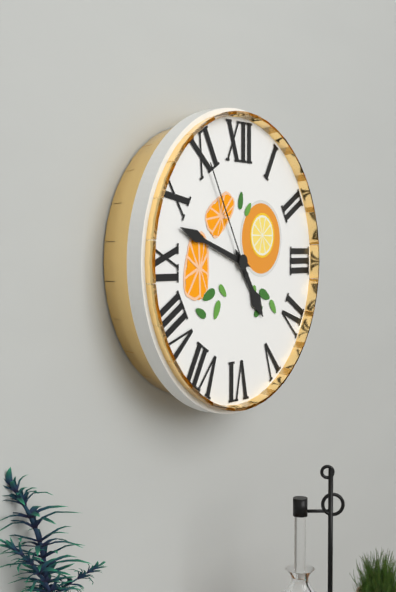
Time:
4.48.55
